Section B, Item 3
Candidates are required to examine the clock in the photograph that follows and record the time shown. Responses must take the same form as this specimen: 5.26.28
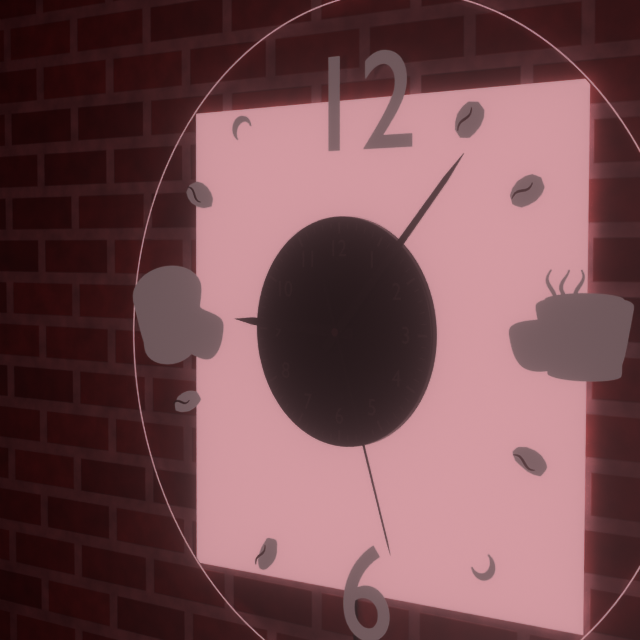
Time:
9.07.27
